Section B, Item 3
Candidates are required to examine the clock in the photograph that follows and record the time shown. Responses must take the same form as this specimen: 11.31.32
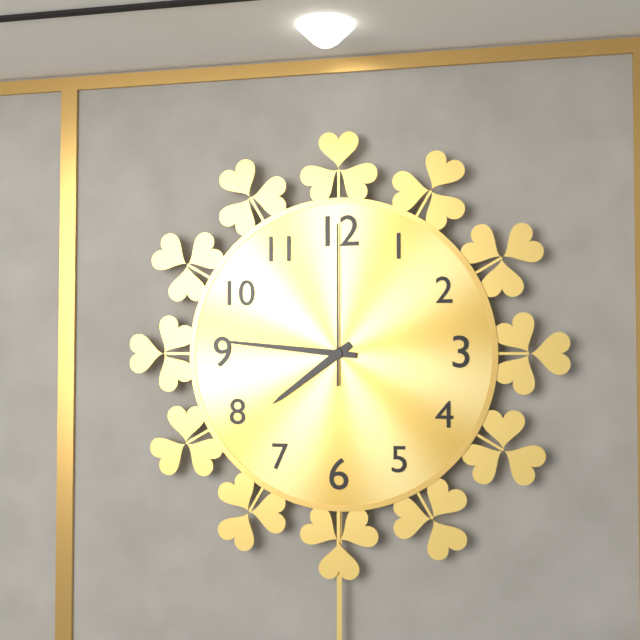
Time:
7.46.00
